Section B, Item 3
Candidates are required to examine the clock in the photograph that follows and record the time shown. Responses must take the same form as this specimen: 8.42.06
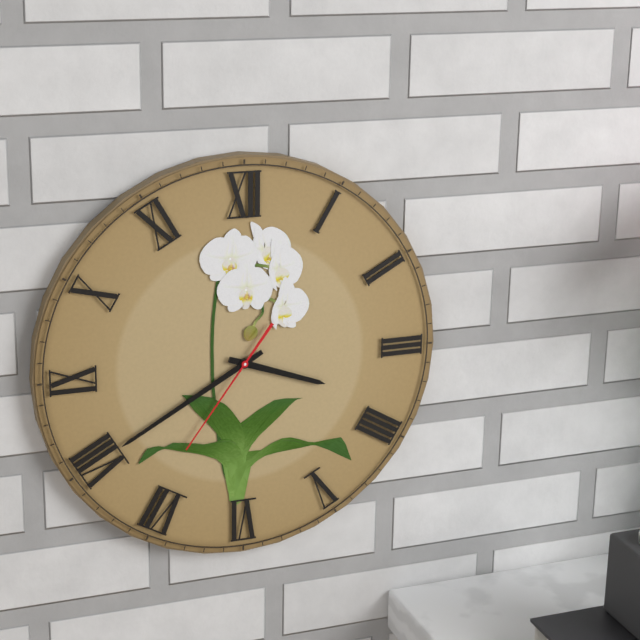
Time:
3.40.36
